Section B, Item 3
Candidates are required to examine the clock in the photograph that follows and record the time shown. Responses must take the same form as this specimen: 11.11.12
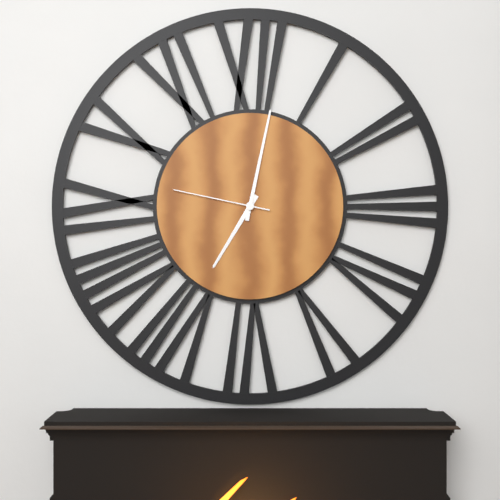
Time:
7.02.47
